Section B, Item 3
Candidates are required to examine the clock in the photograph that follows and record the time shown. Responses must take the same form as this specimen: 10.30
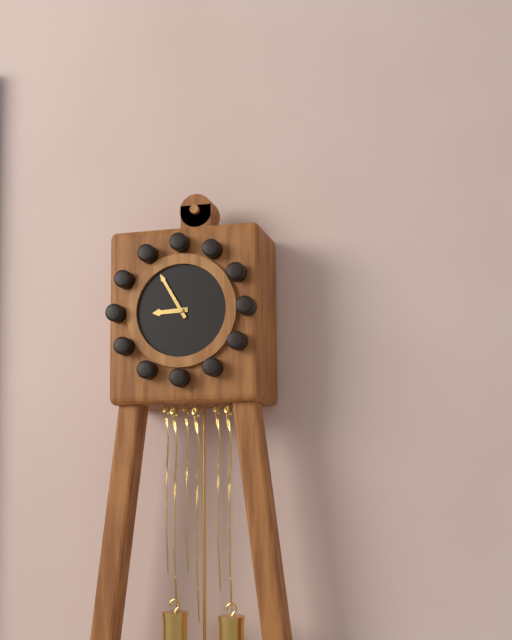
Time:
8.55
